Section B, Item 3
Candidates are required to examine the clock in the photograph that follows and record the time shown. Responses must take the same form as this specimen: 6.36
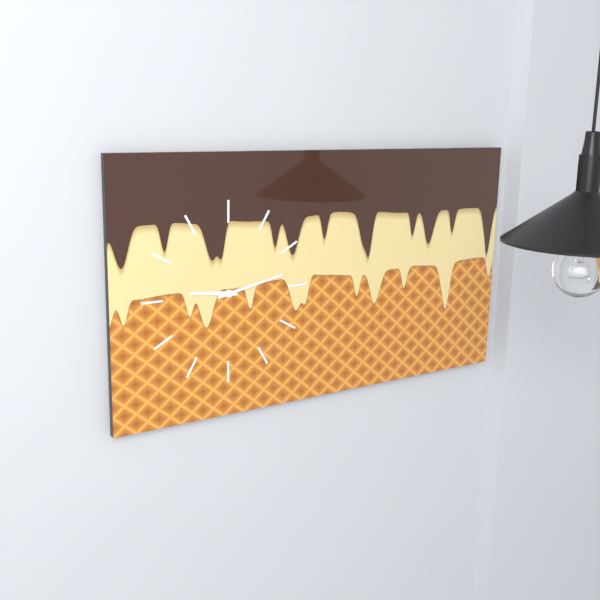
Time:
9.13
